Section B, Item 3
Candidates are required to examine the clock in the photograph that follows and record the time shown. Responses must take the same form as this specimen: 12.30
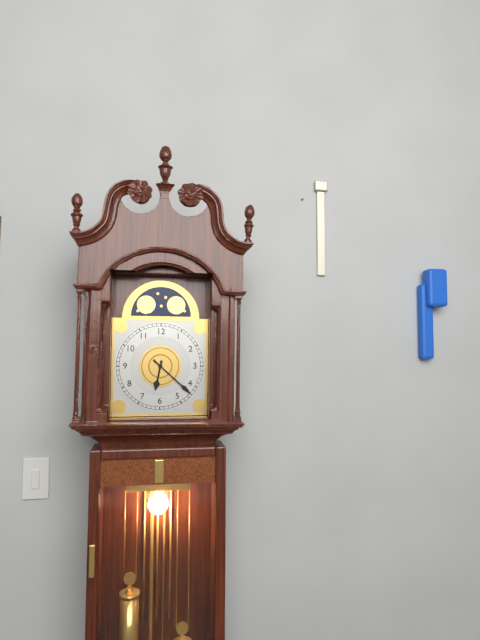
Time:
6.22
